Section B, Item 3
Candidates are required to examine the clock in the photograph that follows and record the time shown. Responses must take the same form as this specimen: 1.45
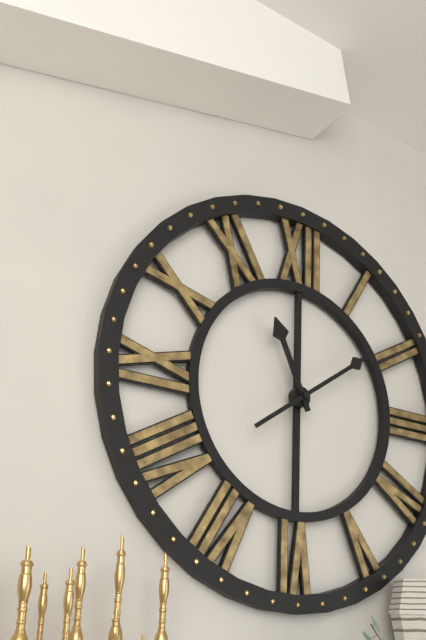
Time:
11.09
